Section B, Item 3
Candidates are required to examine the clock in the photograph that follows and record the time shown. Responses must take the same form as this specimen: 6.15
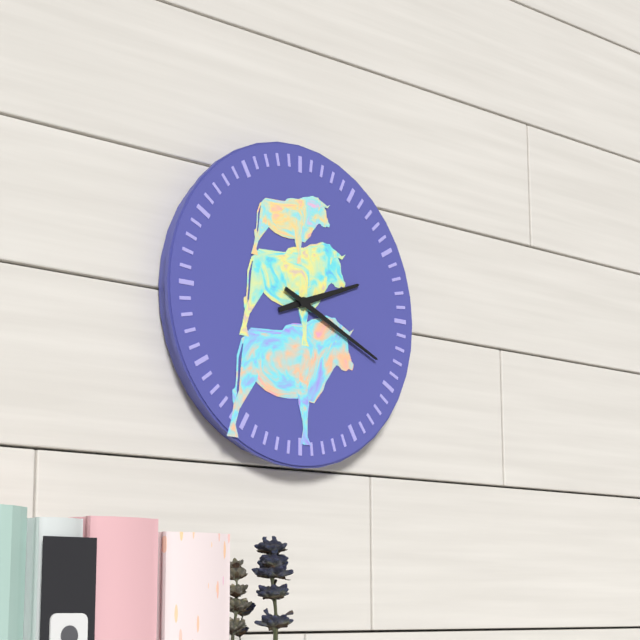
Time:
2.19
